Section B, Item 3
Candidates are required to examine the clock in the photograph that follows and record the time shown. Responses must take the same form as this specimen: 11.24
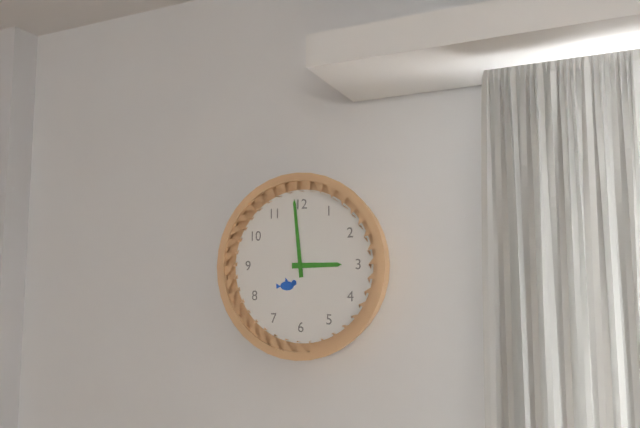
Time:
2.59
